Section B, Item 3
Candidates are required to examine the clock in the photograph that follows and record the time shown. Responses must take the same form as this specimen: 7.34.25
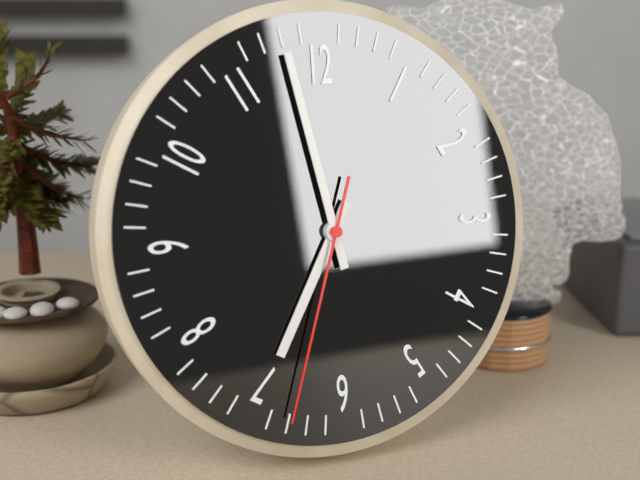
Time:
6.58.33
